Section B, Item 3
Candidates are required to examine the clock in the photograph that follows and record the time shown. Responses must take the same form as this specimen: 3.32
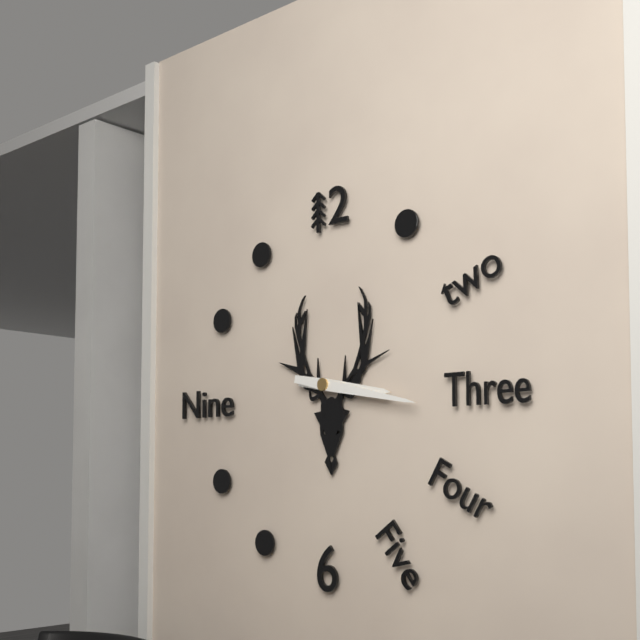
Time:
3.17
